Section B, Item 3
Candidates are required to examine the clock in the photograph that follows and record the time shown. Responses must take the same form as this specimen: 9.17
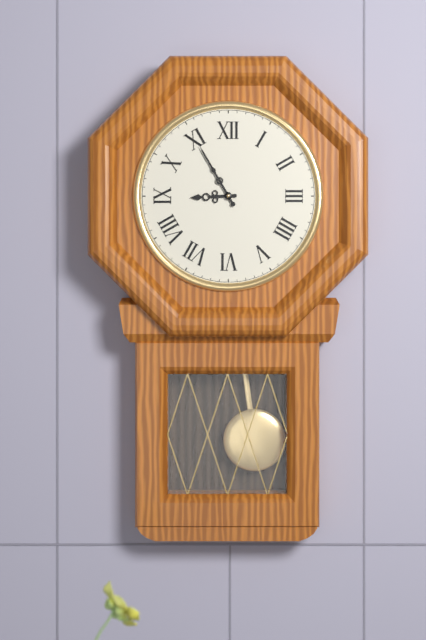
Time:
8.55
